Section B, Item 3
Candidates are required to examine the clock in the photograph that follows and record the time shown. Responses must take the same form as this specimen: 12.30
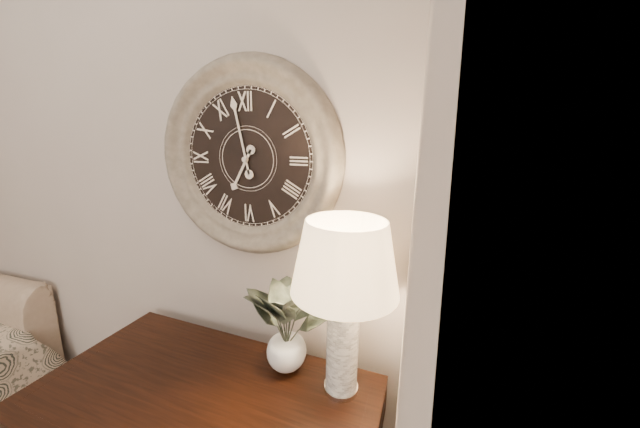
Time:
6.58
